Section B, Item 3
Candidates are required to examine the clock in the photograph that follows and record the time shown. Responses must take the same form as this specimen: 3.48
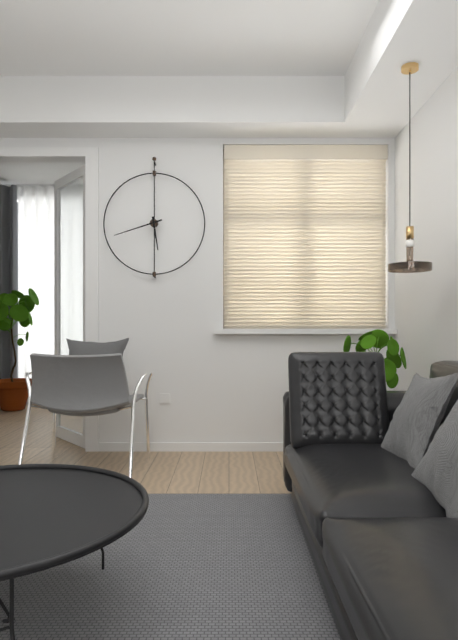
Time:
5.42
